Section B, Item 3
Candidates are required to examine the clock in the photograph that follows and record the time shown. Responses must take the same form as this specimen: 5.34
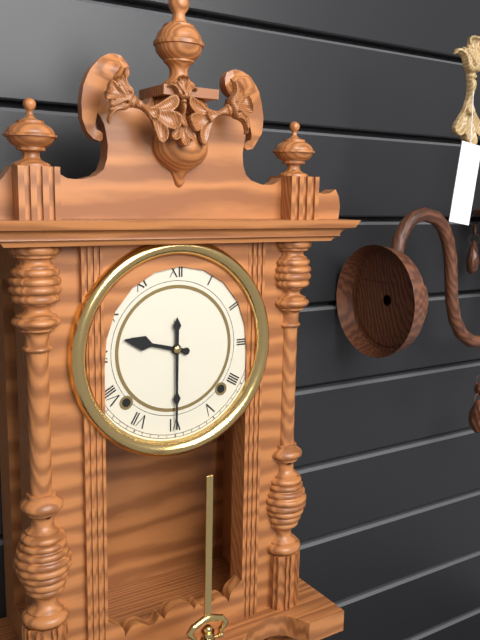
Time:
9.30
